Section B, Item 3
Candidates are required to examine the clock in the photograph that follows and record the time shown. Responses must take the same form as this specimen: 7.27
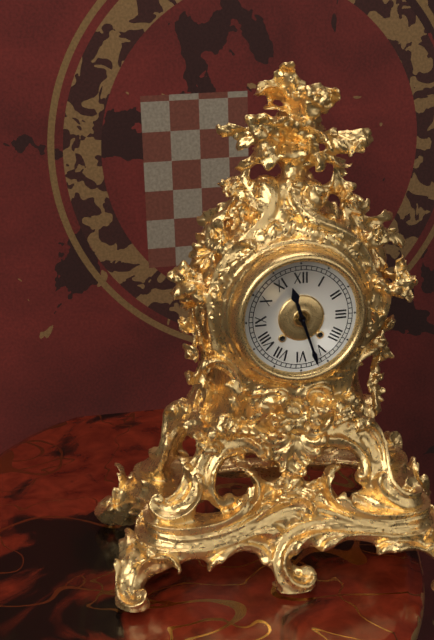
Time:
11.27
